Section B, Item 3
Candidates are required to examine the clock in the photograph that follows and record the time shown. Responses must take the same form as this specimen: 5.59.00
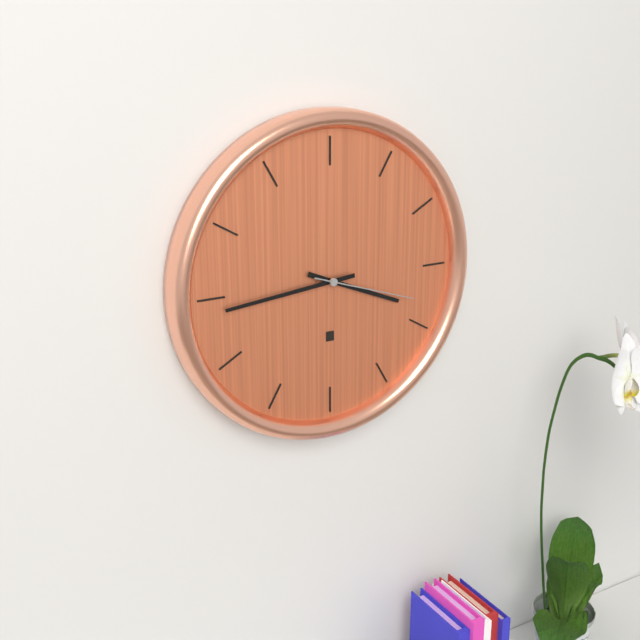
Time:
3.44.18
